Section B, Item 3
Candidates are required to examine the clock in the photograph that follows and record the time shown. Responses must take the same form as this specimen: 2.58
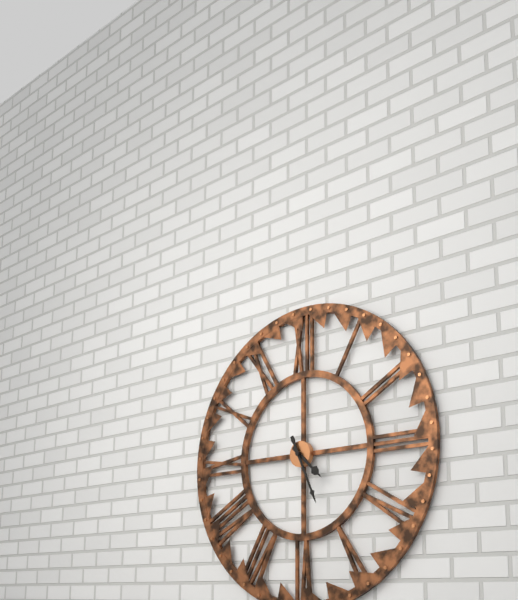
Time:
4.26
